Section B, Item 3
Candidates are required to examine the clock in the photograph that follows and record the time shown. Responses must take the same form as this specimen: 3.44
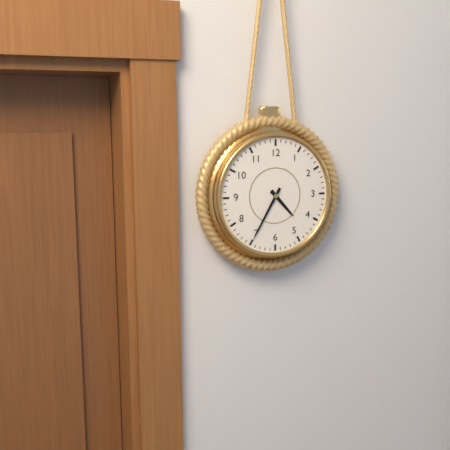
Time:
4.35
